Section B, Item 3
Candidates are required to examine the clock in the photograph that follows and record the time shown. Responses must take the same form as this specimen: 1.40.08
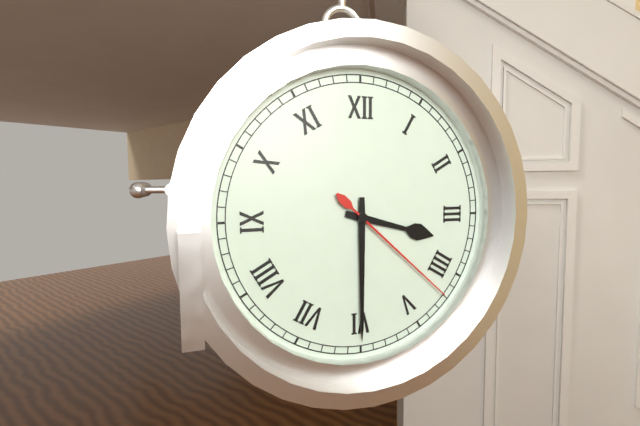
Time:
3.30.22
